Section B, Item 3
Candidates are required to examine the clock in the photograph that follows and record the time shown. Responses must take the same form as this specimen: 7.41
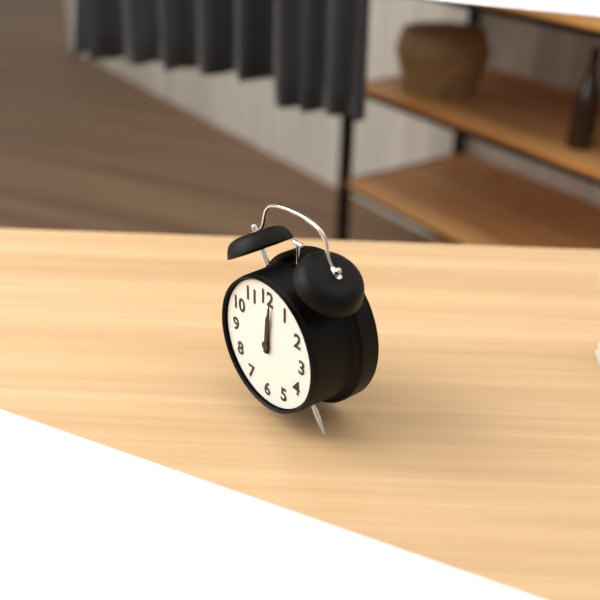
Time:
12.01
